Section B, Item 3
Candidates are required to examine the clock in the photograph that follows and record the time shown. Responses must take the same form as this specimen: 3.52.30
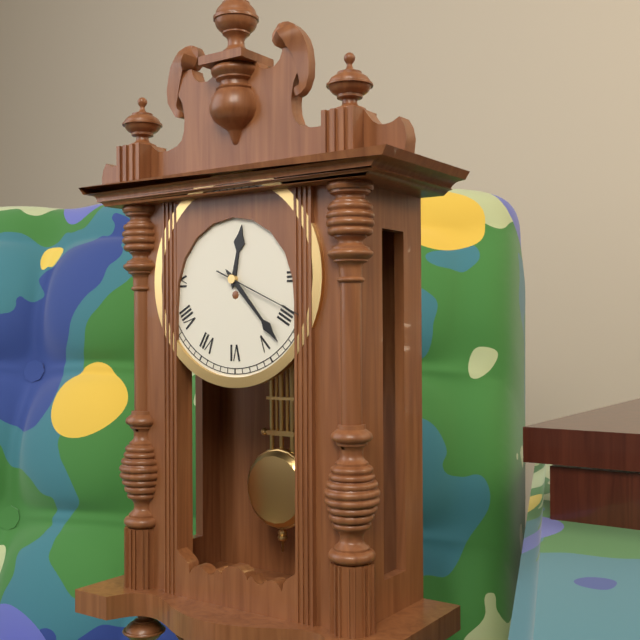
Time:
12.23.19
